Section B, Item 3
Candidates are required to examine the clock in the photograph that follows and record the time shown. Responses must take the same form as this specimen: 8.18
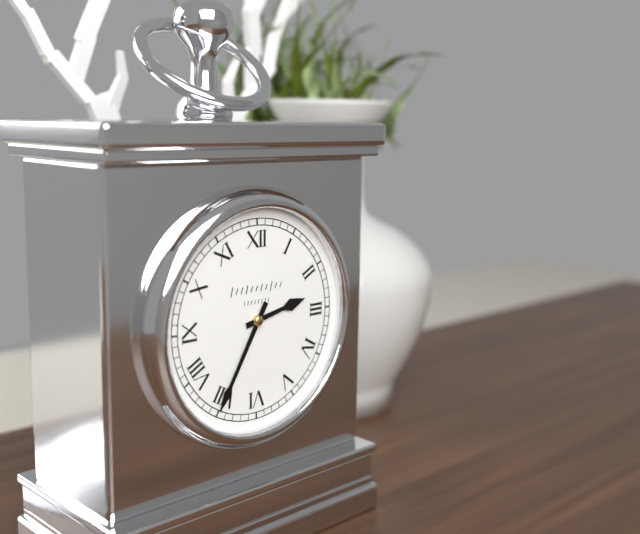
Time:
2.35
